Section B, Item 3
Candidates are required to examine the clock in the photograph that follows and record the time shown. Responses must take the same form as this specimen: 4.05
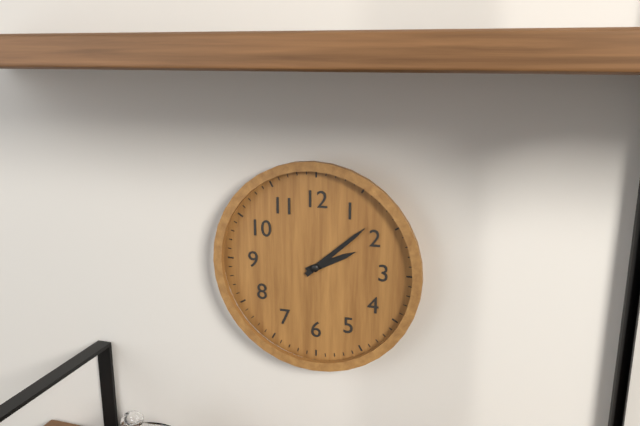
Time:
2.08
